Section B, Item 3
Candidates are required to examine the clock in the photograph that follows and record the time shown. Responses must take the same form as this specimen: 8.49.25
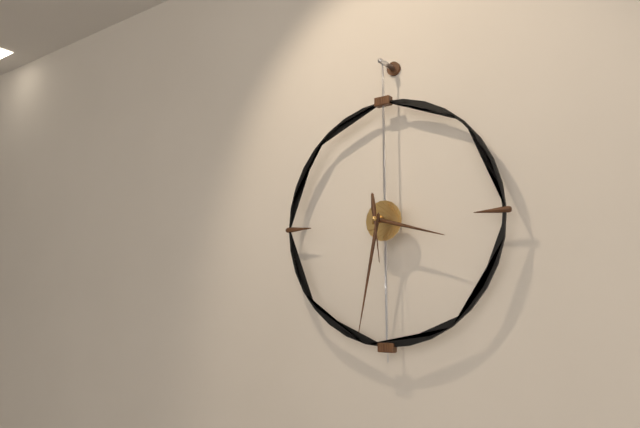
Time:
3.32.29
